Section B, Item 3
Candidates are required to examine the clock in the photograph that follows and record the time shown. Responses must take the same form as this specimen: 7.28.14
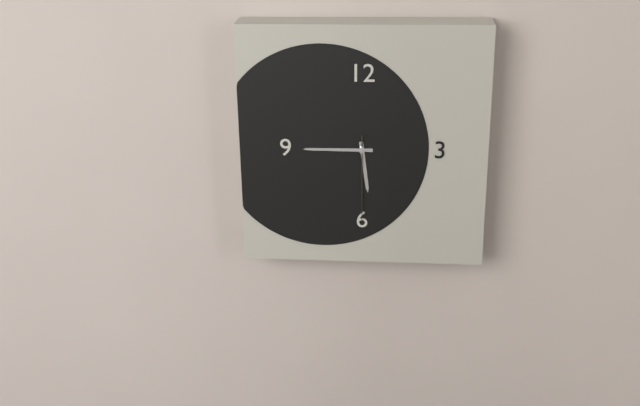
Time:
5.45.30
